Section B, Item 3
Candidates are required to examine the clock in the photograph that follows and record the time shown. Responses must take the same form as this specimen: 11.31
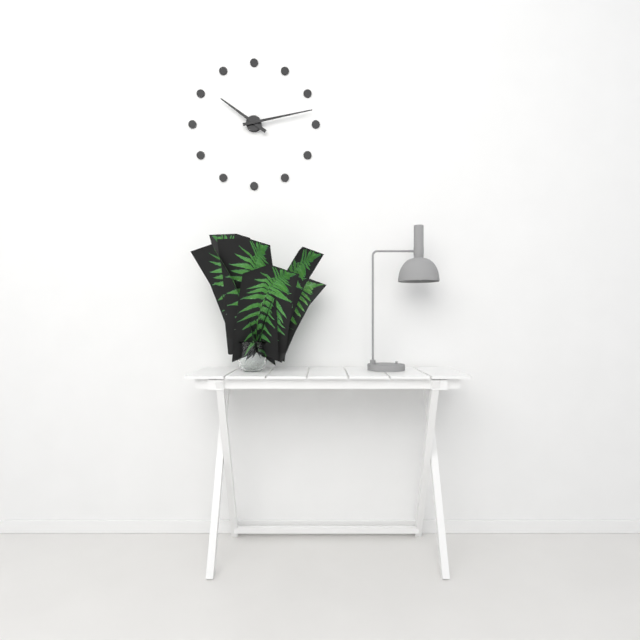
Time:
10.13
